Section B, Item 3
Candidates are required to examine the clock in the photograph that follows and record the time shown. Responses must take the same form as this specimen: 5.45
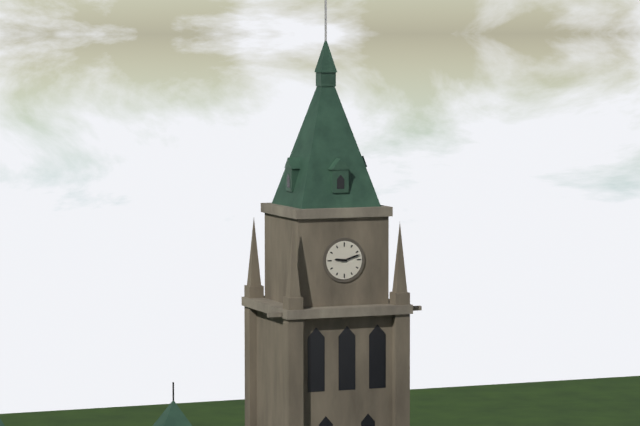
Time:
9.12
